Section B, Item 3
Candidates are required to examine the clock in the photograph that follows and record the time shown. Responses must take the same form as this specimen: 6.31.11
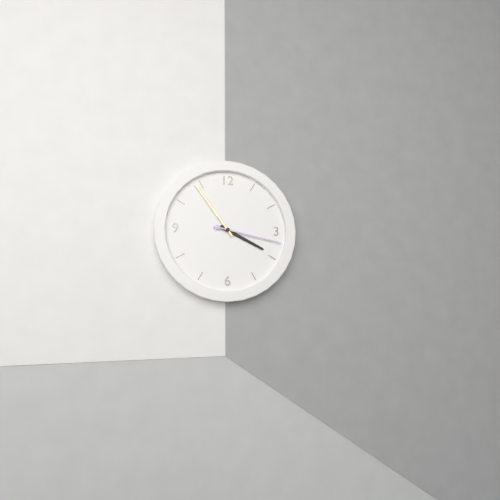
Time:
3.54.17
